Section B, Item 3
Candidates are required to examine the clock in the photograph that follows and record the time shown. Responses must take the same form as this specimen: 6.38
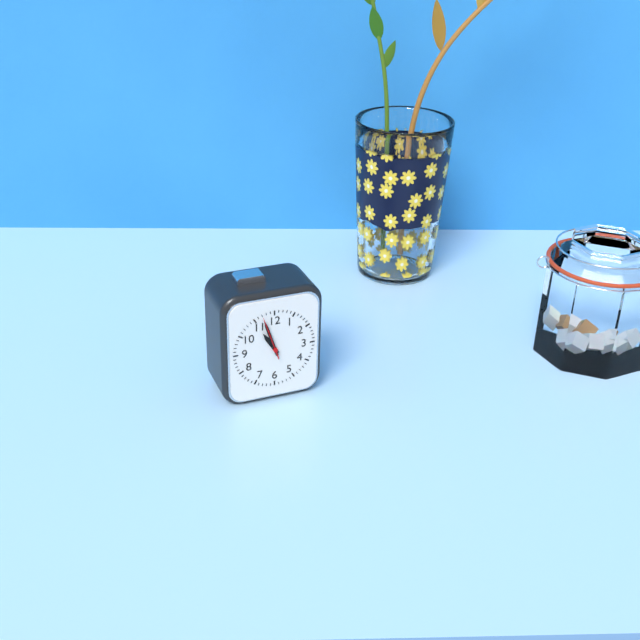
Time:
10.57
